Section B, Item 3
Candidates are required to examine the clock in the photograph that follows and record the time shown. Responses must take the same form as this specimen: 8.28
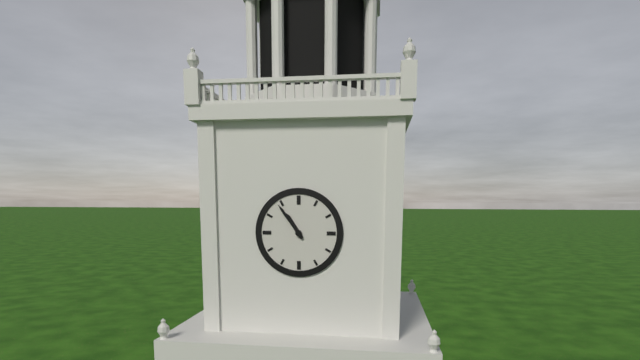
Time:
10.54
